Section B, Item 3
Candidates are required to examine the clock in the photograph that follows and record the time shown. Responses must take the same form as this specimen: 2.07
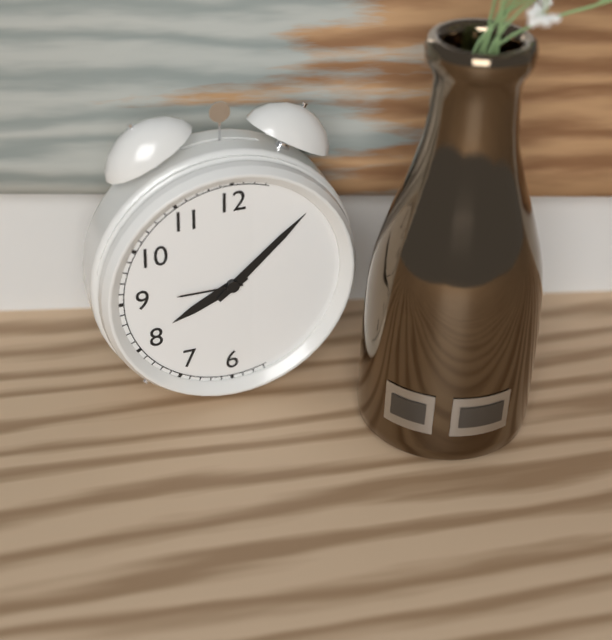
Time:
8.08
